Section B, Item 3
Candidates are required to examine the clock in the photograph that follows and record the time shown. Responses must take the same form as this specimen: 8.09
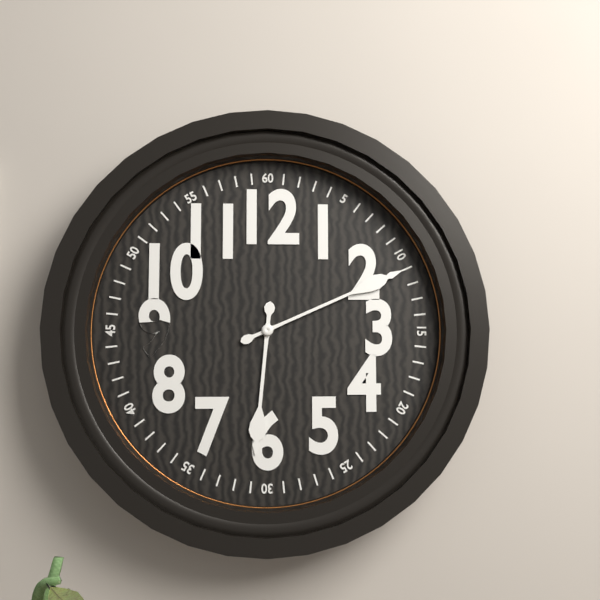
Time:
6.11
